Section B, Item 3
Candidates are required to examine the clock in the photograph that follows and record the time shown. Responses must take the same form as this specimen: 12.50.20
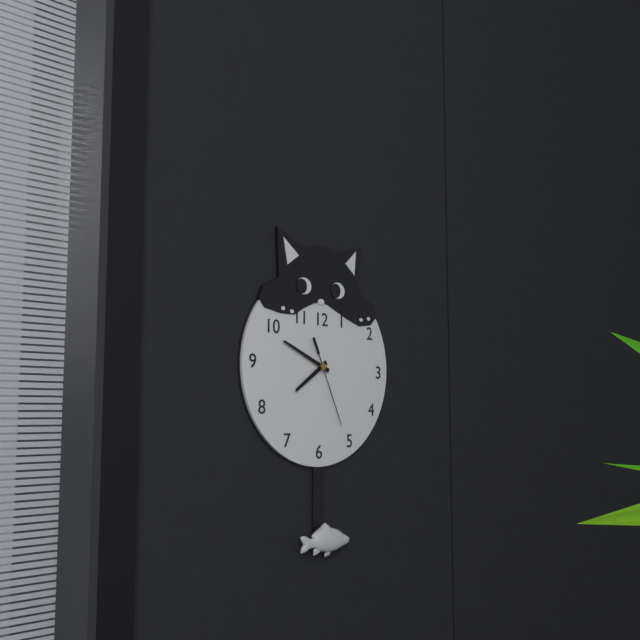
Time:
7.49.26
